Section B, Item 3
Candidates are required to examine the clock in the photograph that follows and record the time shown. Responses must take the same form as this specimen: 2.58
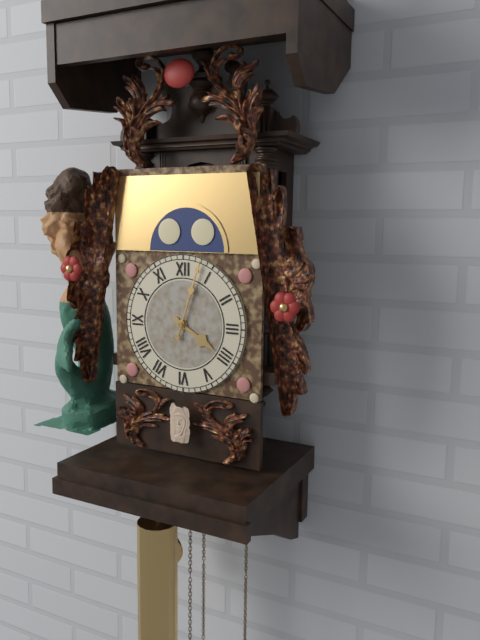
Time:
4.03
